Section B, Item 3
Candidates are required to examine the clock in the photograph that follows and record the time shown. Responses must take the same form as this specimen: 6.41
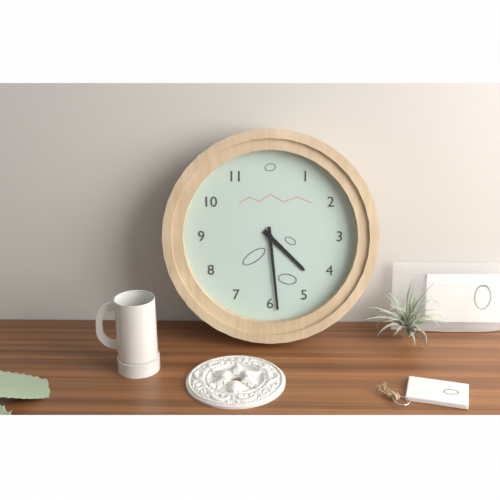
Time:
4.29
